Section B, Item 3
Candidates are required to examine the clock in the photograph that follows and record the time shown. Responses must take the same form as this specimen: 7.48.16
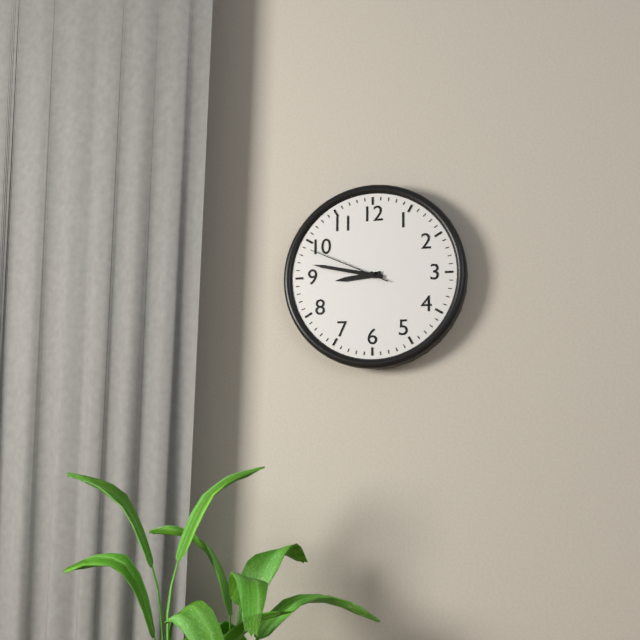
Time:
8.47.49
